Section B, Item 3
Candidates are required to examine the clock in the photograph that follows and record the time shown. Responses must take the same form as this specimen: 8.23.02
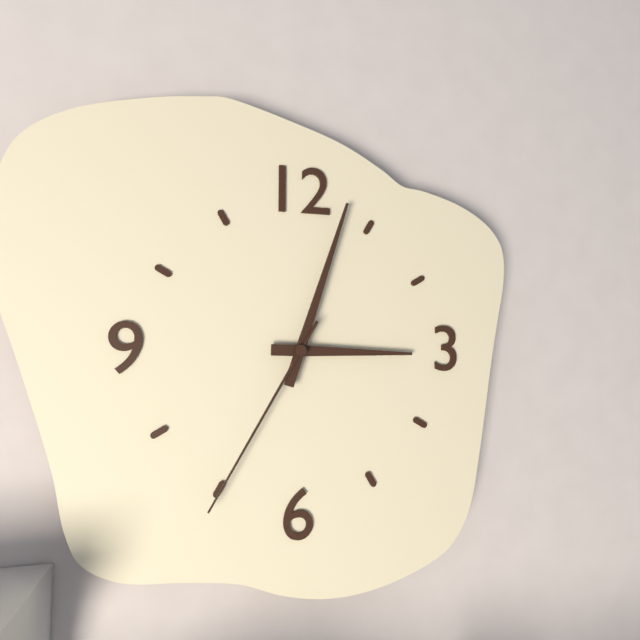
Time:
3.03.35
